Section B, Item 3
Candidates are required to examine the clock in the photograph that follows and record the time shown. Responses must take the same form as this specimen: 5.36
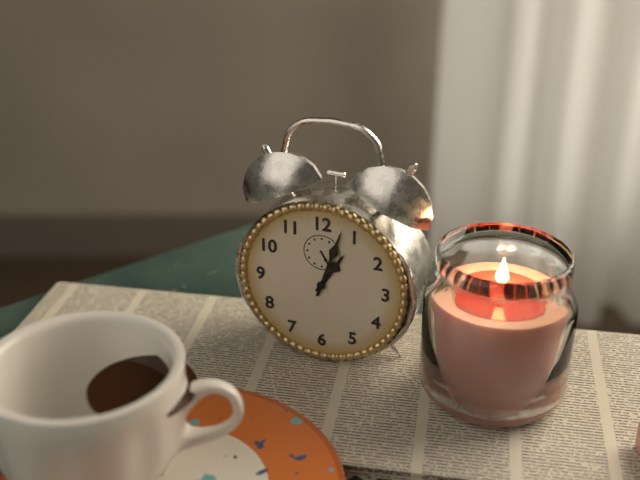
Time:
1.03
